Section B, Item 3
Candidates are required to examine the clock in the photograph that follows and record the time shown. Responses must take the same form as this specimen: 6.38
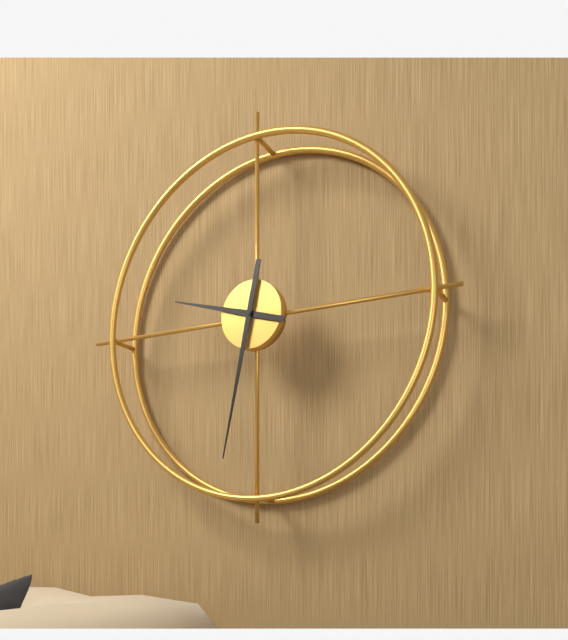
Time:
9.32
